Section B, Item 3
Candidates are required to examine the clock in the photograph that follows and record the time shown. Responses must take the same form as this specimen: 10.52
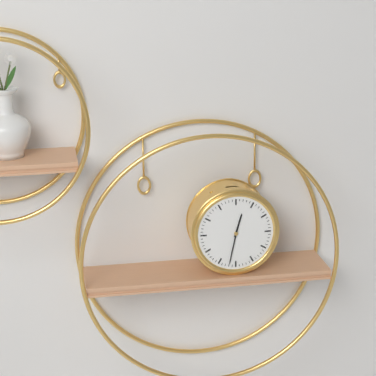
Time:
12.32
